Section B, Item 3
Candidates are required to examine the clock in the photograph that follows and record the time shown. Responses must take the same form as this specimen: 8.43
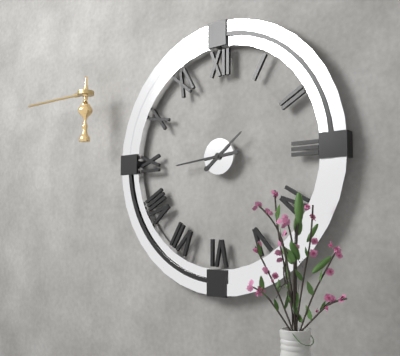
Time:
1.44
